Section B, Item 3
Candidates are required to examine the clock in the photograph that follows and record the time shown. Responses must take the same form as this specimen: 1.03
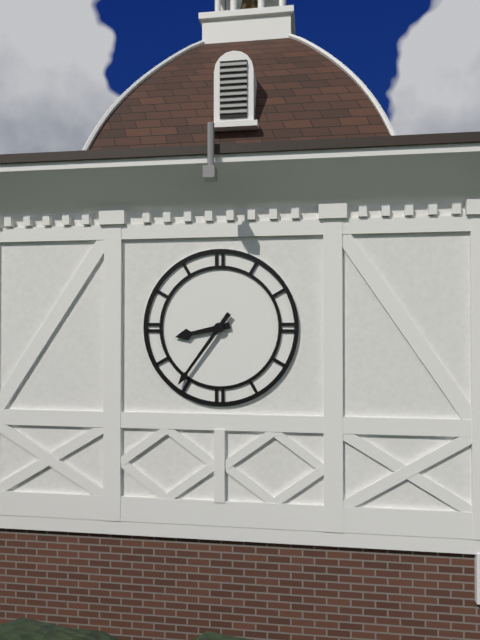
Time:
8.36
